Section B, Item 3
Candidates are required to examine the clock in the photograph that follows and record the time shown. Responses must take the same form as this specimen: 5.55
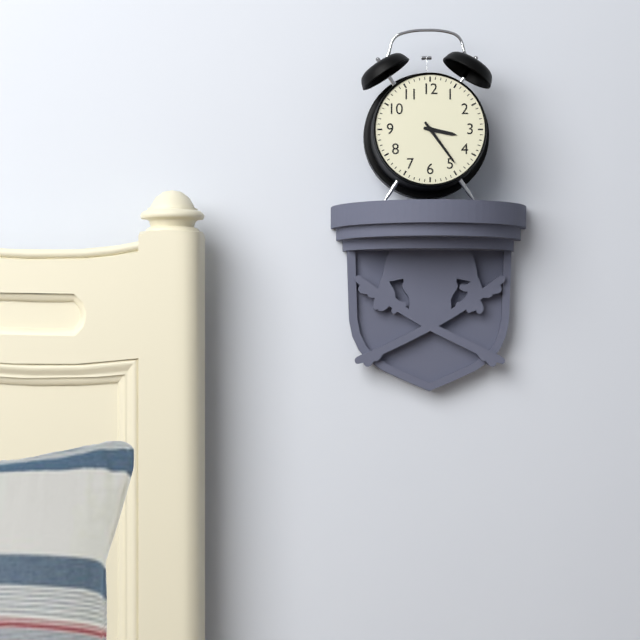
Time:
3.24
